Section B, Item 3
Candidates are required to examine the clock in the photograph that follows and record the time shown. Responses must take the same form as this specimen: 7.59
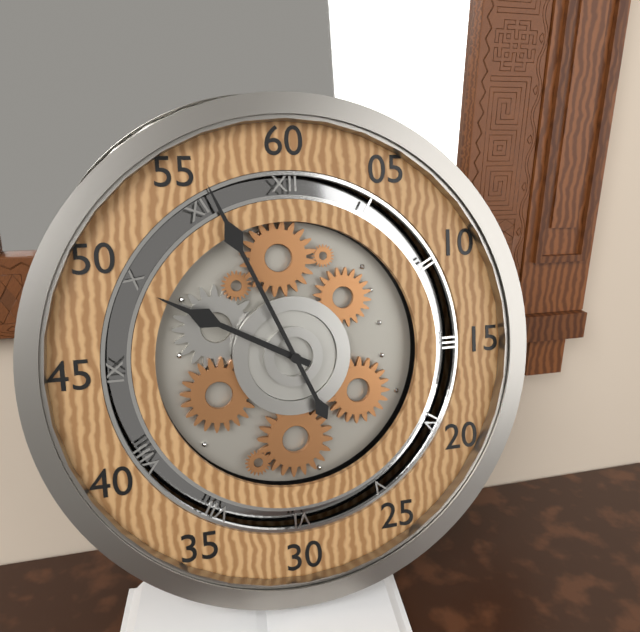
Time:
9.56
